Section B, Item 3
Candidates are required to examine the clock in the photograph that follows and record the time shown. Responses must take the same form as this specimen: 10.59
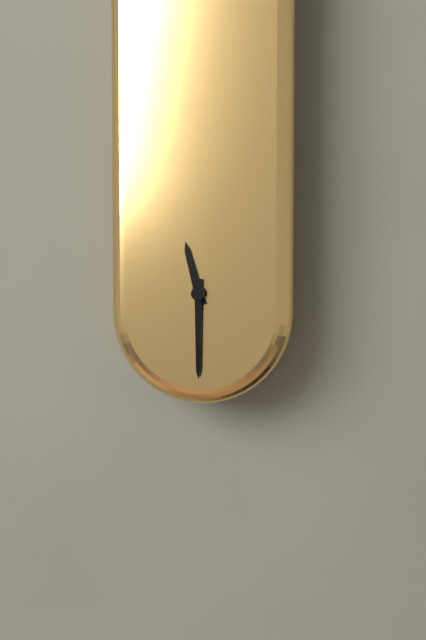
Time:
11.30
